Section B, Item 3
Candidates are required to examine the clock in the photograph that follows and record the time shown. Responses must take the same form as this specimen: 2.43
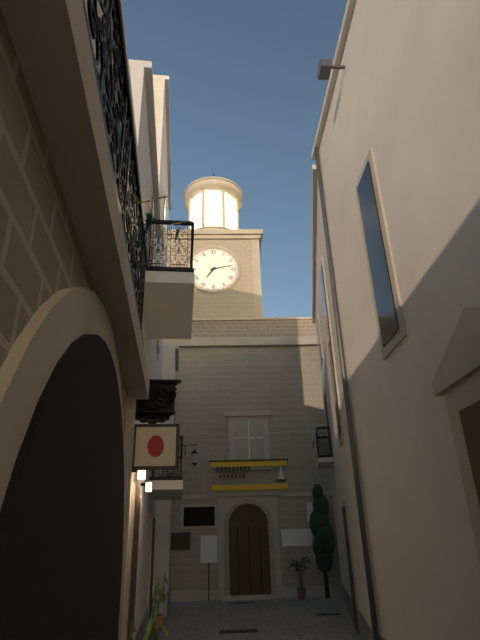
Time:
7.13
